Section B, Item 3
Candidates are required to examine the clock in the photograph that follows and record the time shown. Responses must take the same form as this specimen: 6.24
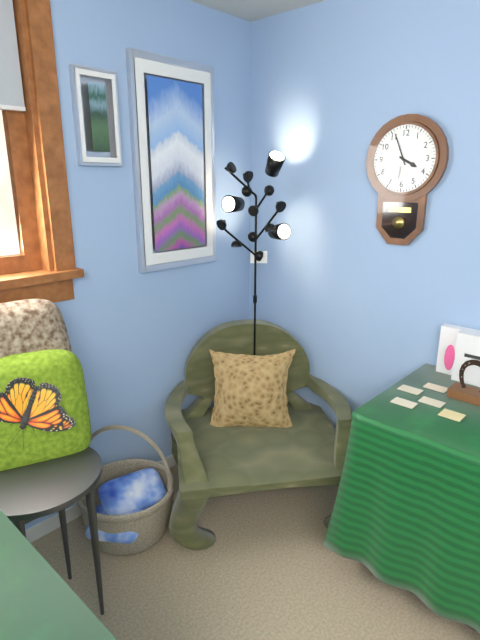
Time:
3.56
